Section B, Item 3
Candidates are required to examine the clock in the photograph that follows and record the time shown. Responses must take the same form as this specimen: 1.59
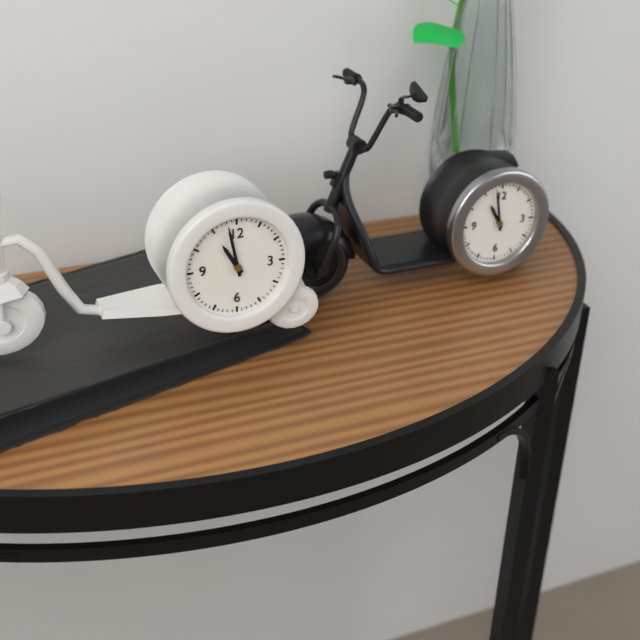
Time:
10.58
